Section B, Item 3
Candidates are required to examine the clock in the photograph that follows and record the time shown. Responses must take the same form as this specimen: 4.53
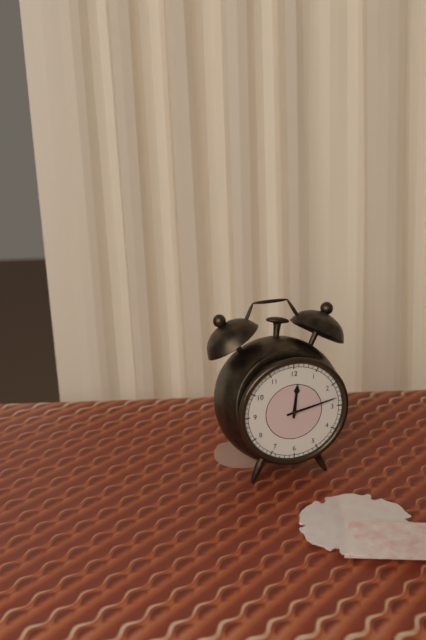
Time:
12.13
